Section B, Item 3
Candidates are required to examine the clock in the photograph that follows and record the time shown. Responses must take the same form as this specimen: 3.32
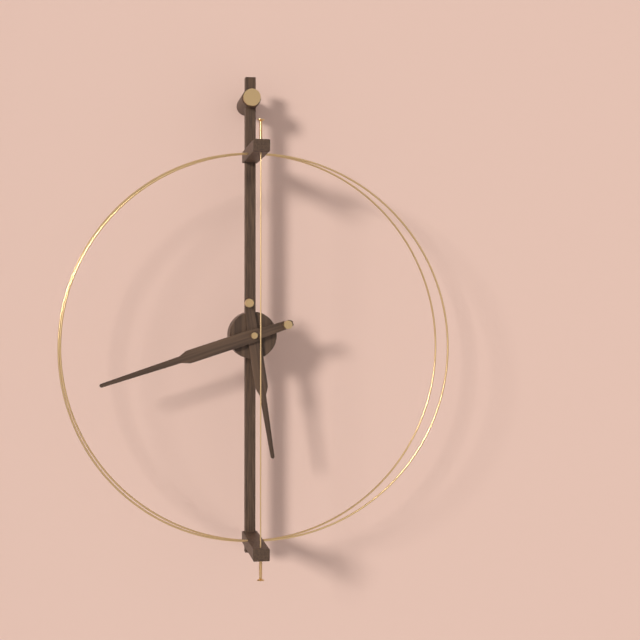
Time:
5.42
